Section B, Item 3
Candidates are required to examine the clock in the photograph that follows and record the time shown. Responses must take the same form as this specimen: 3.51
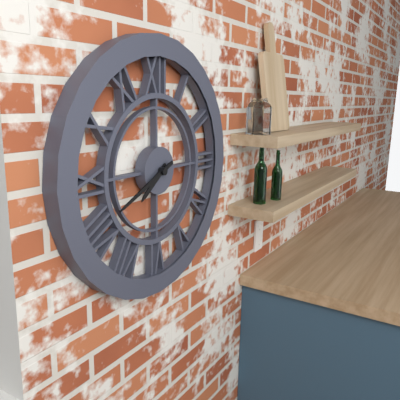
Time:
7.41
